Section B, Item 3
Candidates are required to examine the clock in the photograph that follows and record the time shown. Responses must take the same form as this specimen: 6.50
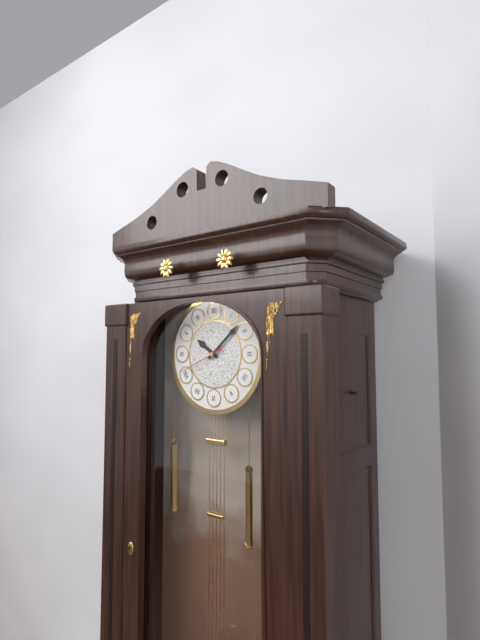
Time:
10.08
